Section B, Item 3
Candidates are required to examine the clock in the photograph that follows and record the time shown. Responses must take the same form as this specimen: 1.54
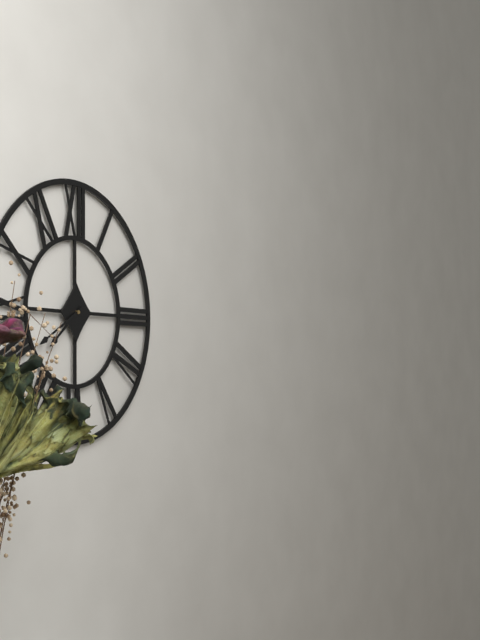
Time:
7.40
